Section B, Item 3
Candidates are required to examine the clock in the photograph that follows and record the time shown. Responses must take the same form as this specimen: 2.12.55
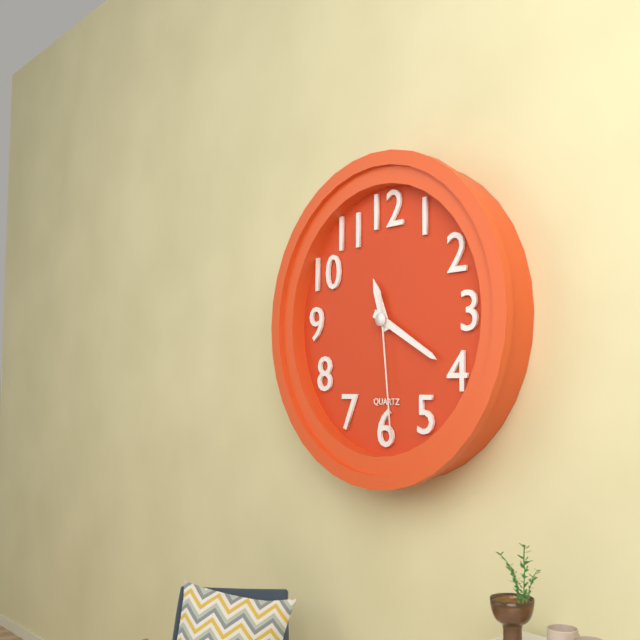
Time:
11.20.29
